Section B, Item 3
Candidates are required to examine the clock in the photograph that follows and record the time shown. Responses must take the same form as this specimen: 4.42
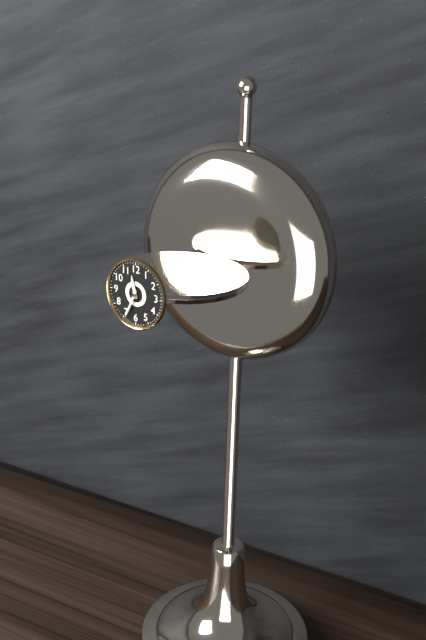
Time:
11.34
